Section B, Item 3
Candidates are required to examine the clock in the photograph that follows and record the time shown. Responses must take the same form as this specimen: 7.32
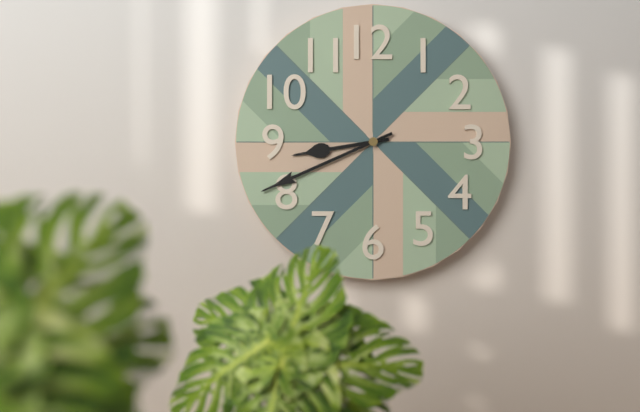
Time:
8.41
